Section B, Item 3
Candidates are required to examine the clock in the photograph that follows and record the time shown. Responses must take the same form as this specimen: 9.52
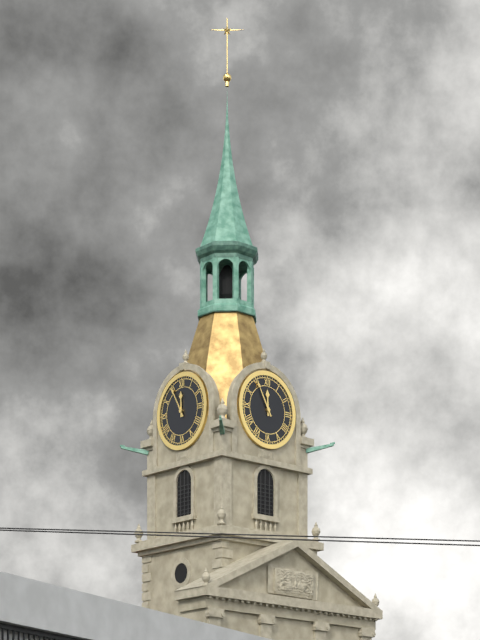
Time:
11.55
